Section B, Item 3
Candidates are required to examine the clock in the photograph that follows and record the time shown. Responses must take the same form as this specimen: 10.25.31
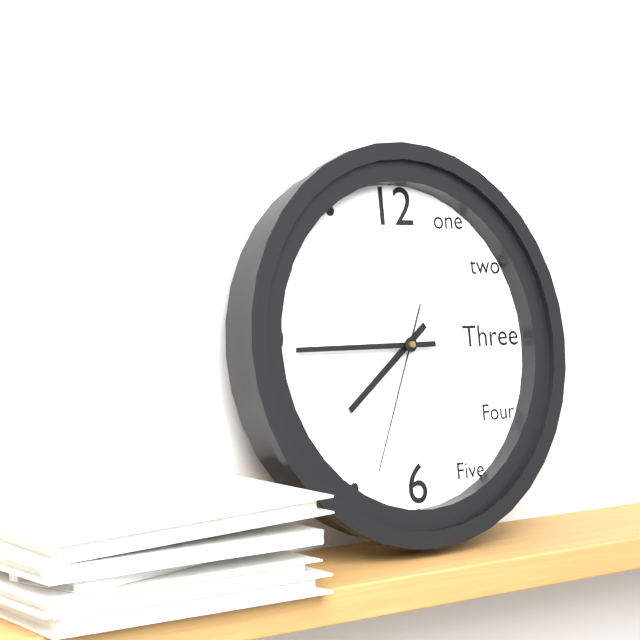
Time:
7.45.34
